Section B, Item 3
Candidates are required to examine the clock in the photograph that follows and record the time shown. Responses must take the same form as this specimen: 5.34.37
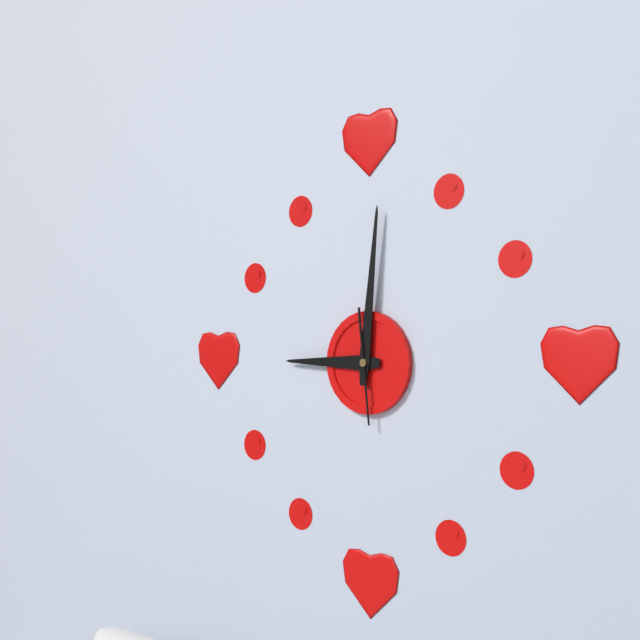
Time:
9.01.29
